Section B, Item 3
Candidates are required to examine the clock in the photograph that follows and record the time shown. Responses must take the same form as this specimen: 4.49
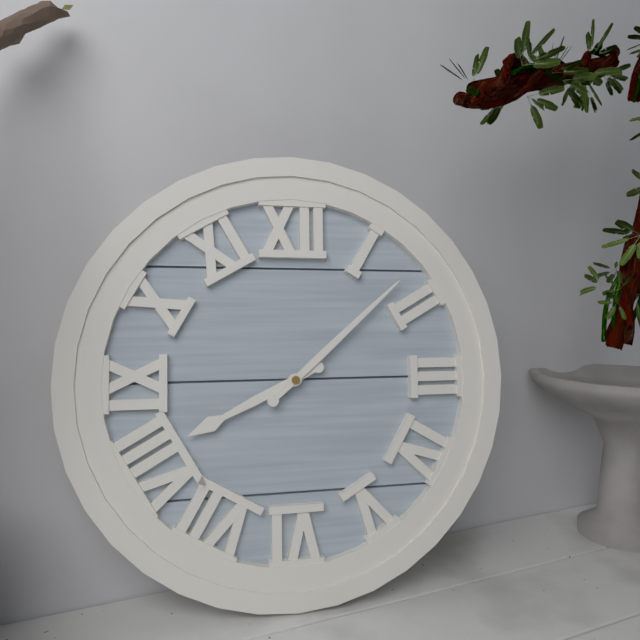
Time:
8.08
